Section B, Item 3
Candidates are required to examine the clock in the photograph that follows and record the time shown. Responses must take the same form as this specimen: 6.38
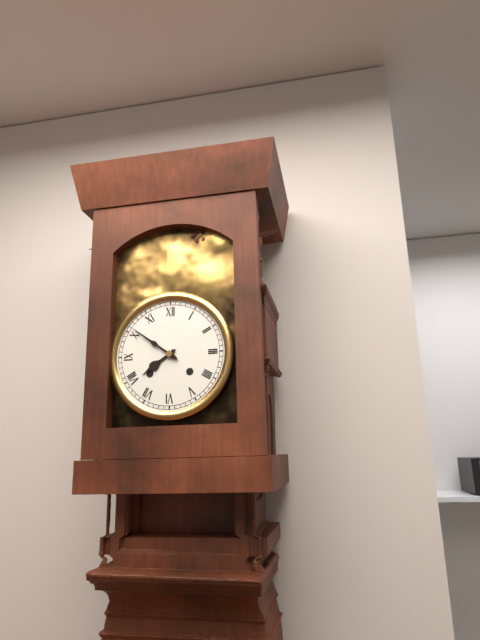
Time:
7.51
